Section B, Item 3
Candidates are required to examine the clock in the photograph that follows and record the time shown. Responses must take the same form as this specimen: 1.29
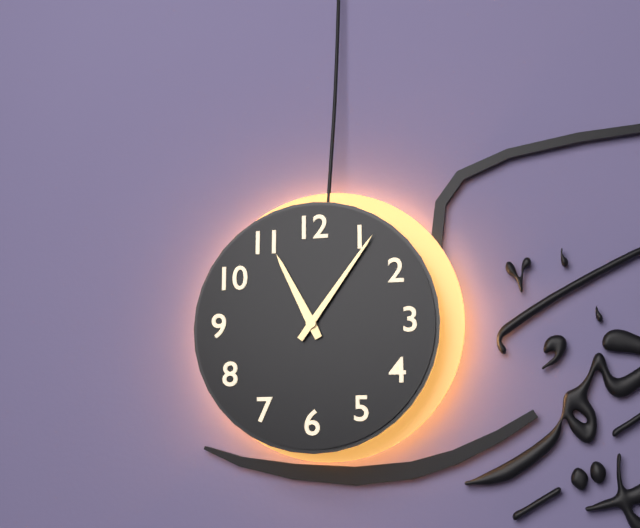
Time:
11.06
